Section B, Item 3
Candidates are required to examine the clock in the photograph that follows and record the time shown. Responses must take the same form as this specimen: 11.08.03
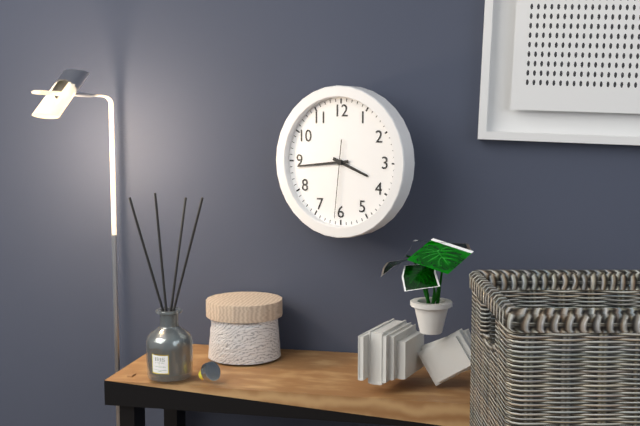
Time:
3.44.31
